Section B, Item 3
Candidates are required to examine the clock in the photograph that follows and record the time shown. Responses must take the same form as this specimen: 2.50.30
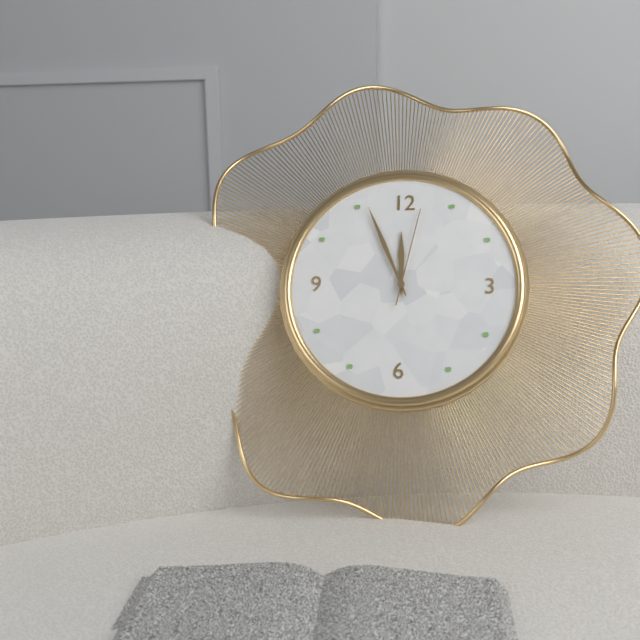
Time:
11.56.02
